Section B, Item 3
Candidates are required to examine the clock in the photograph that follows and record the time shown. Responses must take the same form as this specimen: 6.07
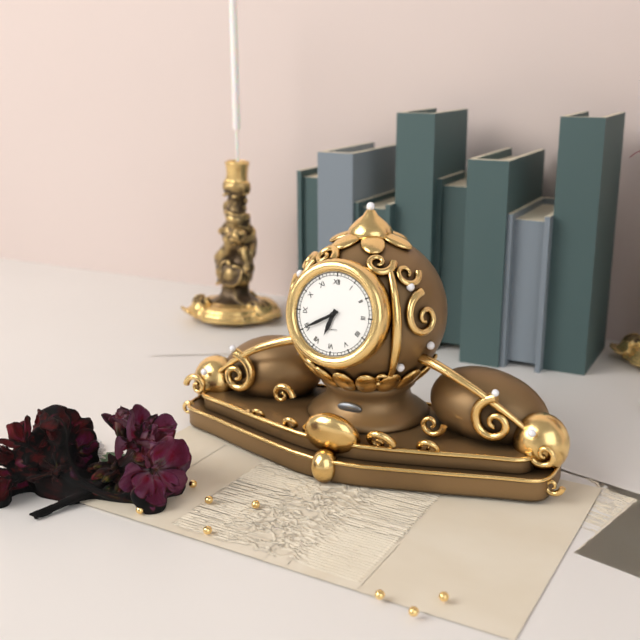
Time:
6.40
